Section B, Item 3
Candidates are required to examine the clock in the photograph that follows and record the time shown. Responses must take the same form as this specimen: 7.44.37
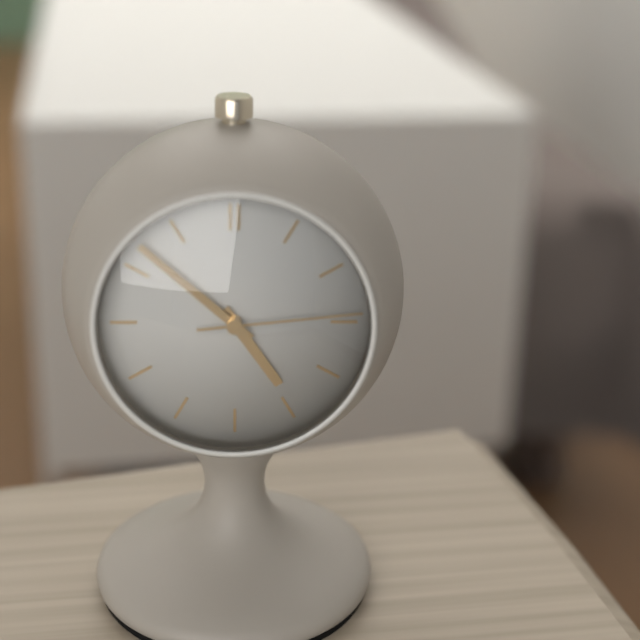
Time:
4.52.14
